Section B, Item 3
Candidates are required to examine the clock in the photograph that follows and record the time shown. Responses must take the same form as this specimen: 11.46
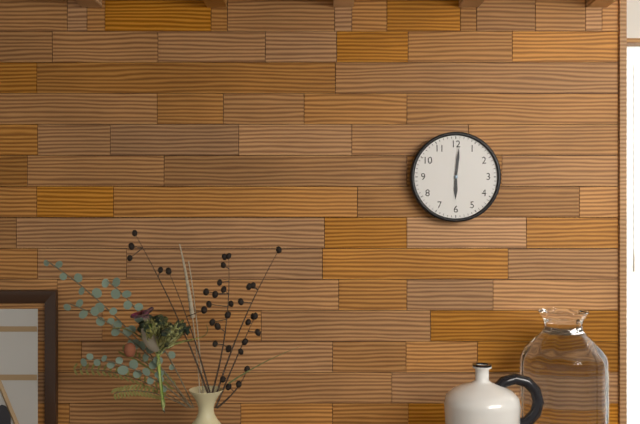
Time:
6.01
